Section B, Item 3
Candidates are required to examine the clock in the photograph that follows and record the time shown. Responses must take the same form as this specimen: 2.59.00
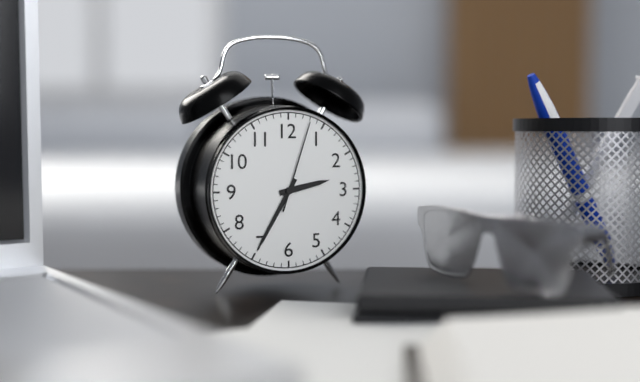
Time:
2.35.03
